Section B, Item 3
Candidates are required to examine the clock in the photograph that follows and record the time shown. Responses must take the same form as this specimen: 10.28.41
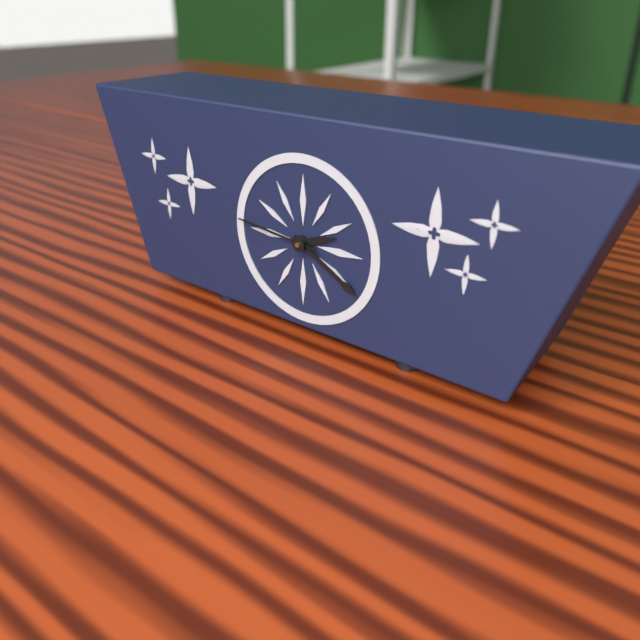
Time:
2.20.46
